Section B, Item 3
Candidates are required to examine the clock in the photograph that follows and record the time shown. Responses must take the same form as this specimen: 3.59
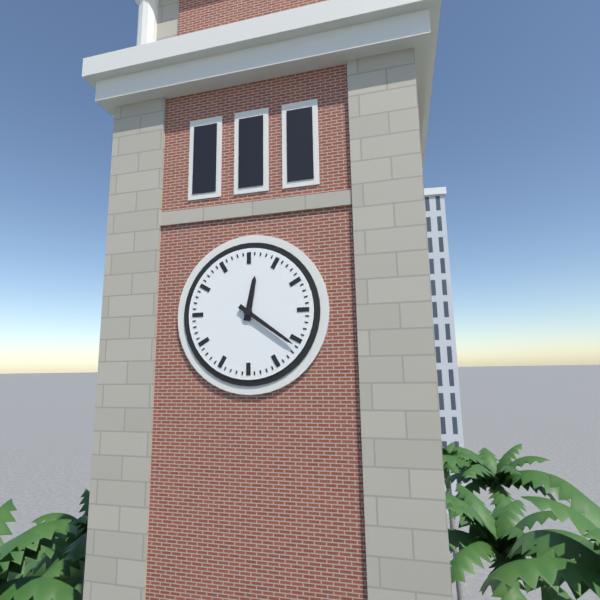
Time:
12.21
